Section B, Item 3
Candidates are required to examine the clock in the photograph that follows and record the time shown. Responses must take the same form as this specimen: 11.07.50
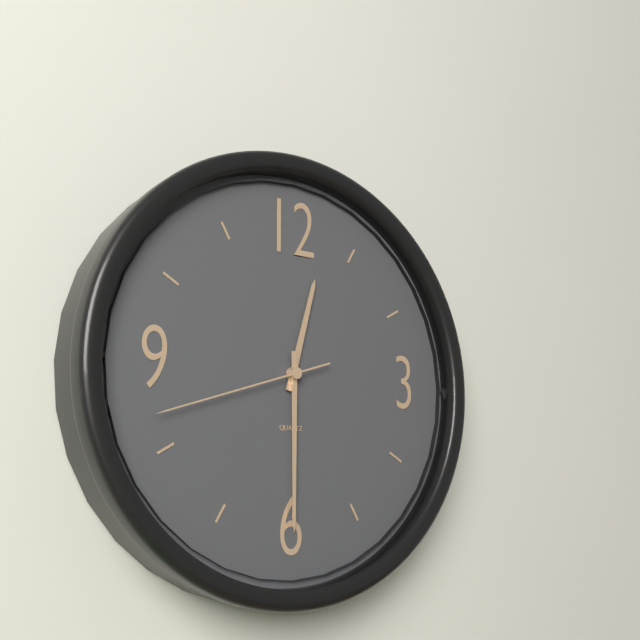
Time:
12.30.42
